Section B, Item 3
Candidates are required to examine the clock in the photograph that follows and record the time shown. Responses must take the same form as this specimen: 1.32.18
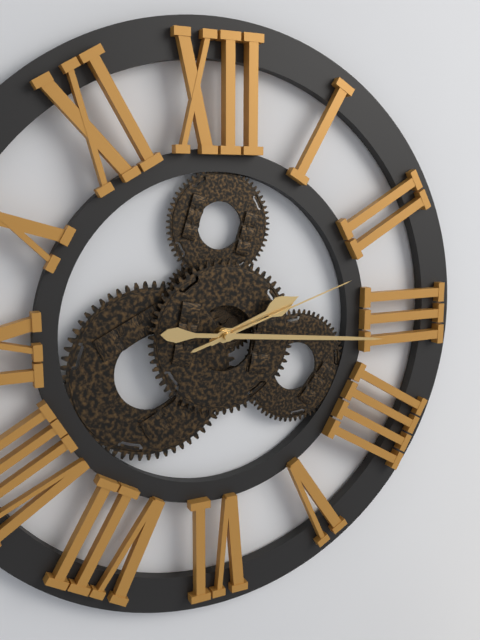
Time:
2.16.12
